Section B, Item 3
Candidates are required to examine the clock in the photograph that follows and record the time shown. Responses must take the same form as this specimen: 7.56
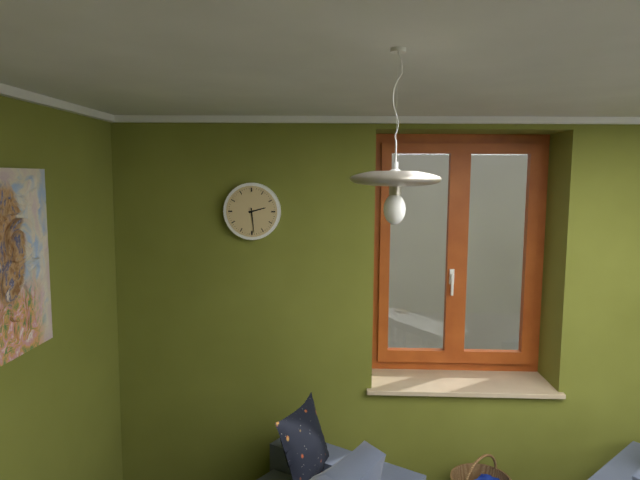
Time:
2.29
